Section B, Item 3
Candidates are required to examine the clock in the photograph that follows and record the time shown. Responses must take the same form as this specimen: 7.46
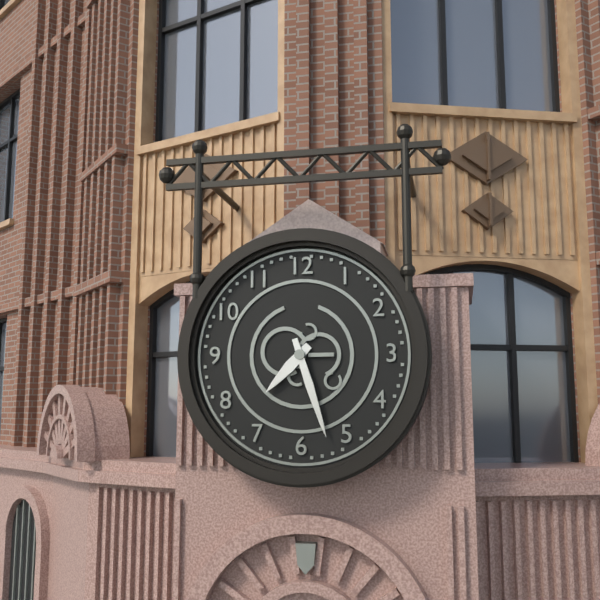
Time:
7.27
